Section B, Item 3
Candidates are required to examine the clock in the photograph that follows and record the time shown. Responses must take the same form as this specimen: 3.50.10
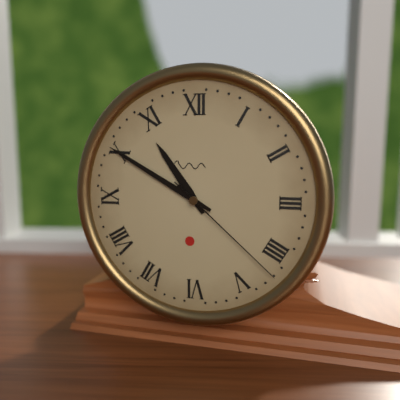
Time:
10.50.22
